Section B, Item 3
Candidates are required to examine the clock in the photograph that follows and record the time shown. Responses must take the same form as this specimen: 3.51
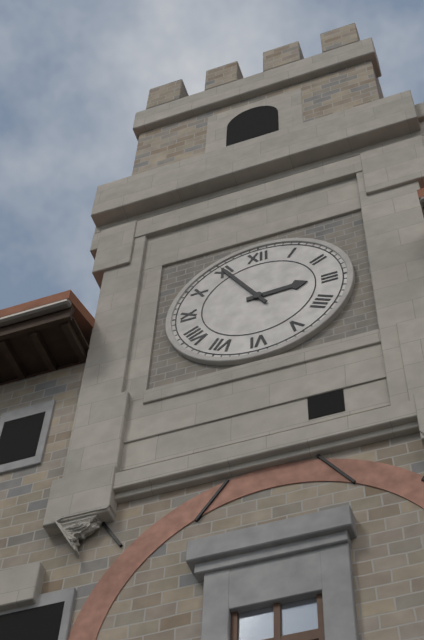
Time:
2.55
